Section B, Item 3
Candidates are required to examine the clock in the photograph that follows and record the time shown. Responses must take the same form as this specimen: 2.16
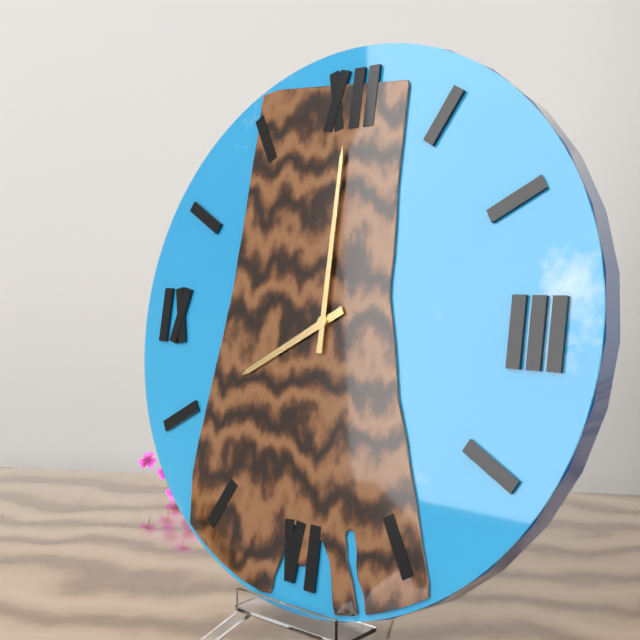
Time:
8.00
